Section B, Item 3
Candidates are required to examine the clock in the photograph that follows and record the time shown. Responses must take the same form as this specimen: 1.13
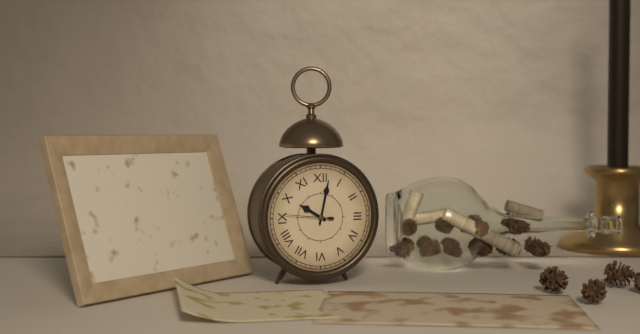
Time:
10.02
